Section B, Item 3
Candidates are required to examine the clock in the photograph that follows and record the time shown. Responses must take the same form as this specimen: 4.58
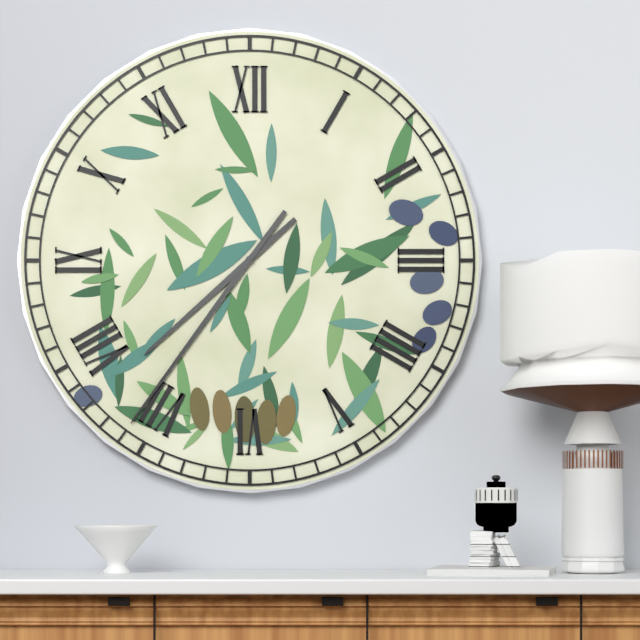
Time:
7.36
